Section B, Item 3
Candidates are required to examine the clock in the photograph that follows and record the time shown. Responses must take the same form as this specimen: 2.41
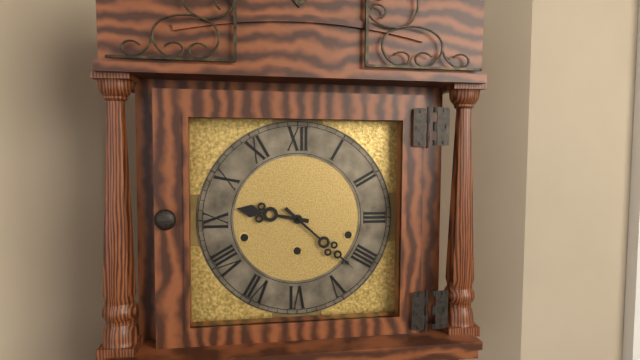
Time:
9.22
